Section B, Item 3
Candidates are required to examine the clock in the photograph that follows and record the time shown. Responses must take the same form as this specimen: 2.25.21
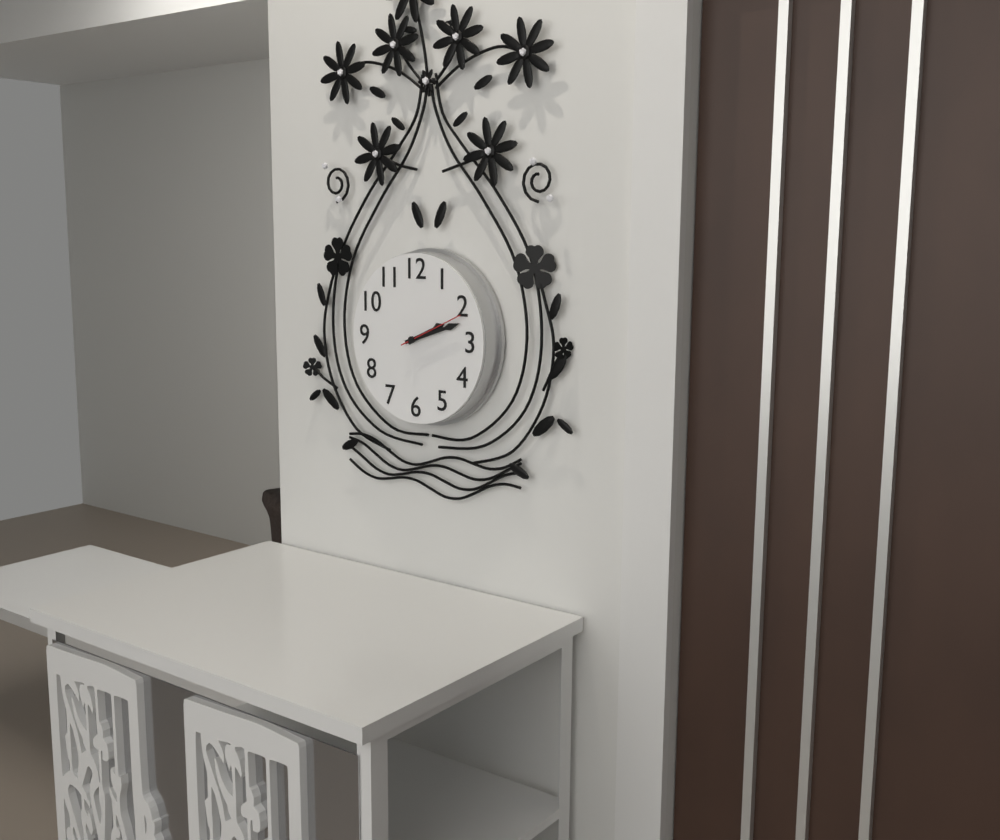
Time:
2.12.11
